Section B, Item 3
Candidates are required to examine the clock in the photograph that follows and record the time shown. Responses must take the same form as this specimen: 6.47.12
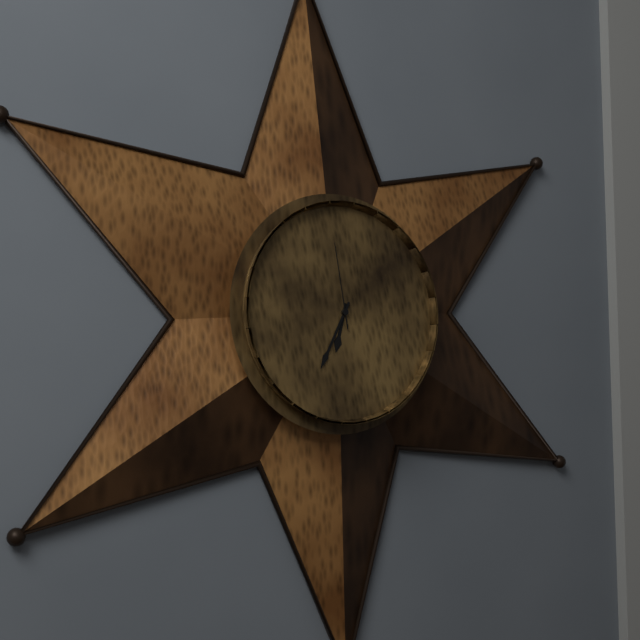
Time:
6.35.59
